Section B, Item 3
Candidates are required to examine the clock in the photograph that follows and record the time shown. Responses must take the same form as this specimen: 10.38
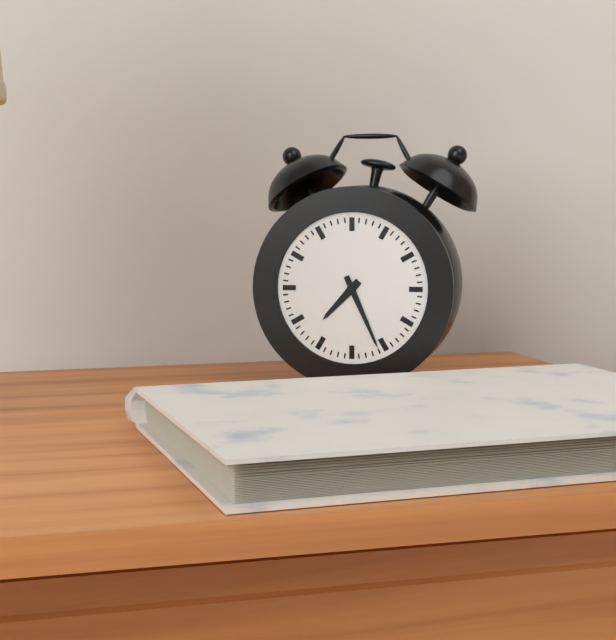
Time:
7.26
